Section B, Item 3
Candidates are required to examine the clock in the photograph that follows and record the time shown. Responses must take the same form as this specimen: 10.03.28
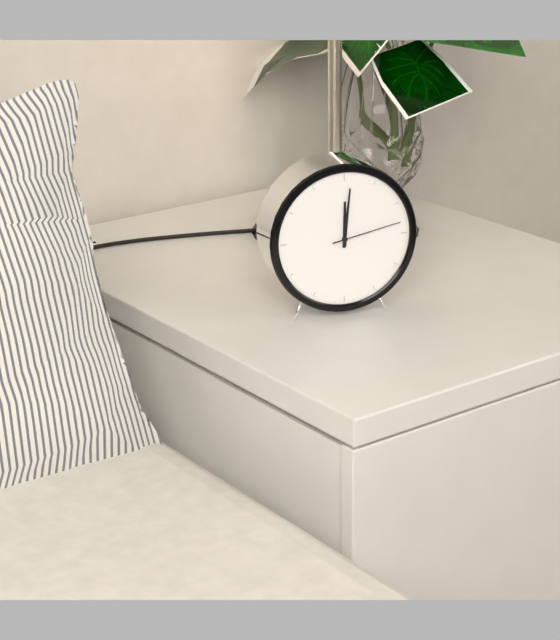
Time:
12.01.13
